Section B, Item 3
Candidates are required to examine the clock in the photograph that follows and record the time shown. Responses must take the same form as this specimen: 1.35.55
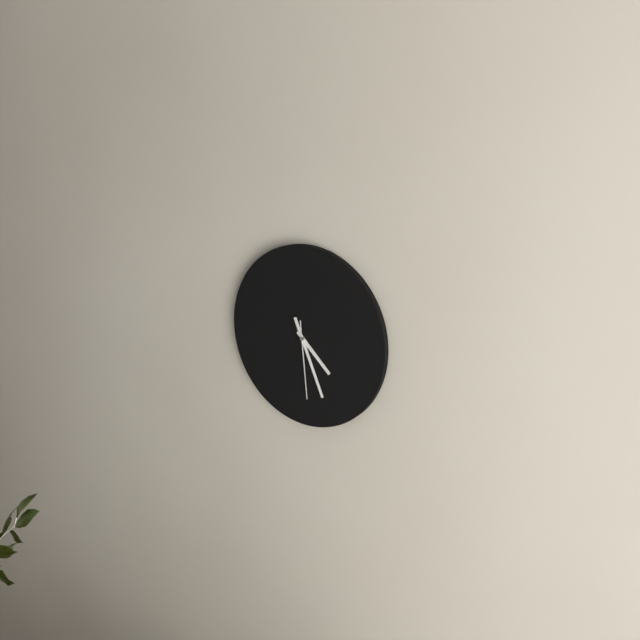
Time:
4.26.29
